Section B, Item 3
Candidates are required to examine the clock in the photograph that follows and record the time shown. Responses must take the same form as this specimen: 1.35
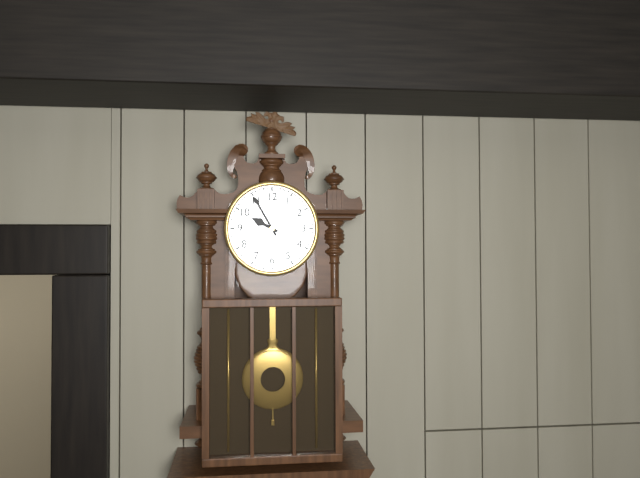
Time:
9.55
